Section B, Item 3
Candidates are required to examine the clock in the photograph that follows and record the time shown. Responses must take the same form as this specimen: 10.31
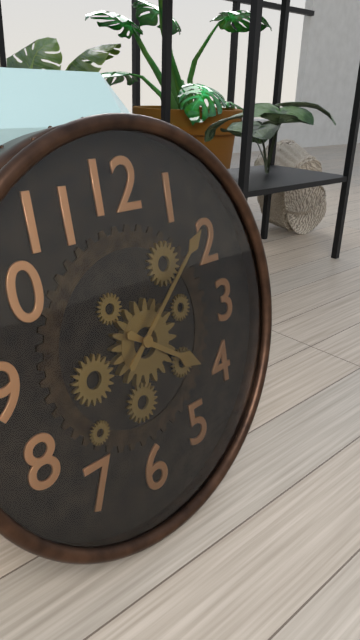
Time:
4.08
